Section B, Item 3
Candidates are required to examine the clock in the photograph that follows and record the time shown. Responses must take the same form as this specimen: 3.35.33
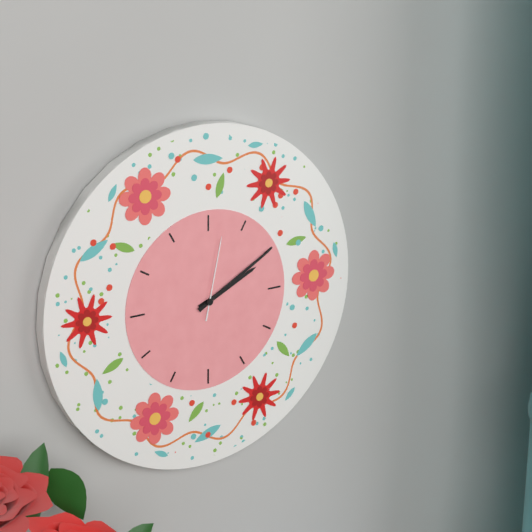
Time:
2.10.02
